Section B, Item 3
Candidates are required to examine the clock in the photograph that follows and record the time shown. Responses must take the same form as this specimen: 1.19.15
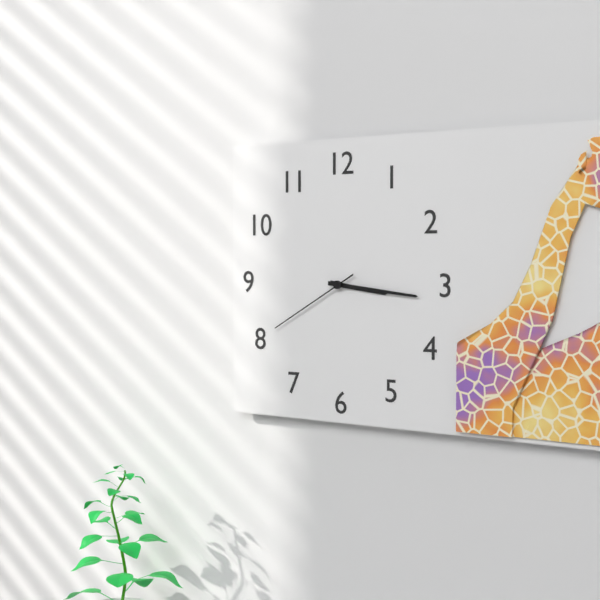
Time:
3.16.40
